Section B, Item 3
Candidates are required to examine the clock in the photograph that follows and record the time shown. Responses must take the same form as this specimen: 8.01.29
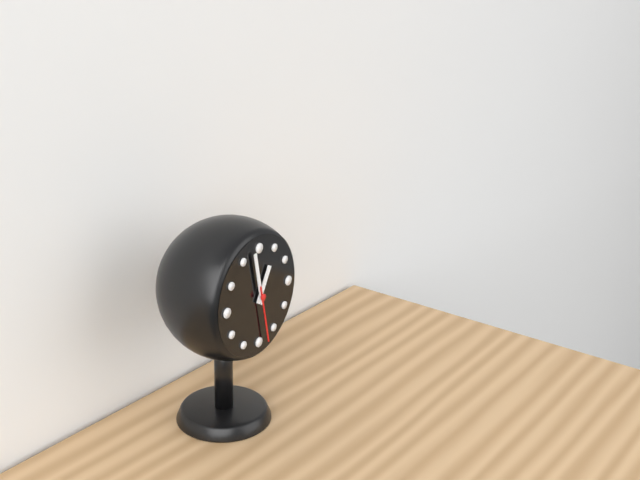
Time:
12.58.28
